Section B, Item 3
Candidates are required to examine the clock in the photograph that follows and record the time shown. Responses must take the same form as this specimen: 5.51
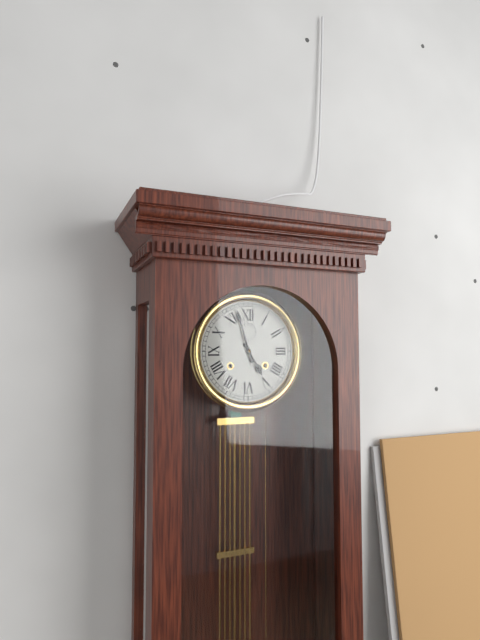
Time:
4.57
